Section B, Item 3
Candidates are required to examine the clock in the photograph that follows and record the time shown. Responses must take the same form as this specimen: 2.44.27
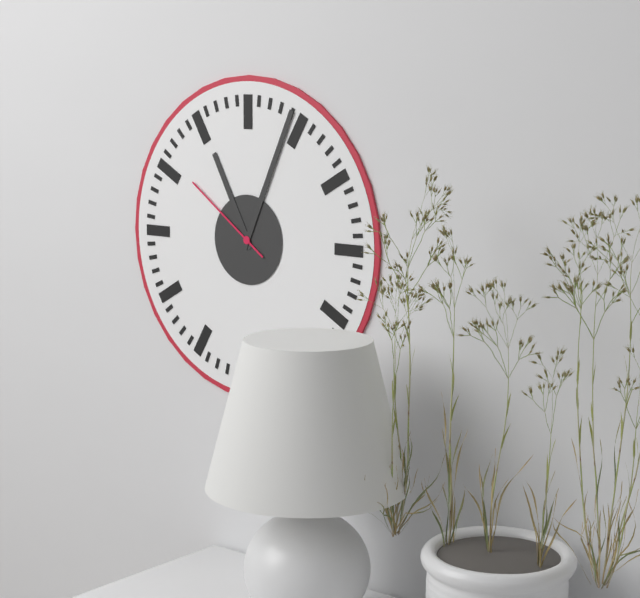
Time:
11.04.51
